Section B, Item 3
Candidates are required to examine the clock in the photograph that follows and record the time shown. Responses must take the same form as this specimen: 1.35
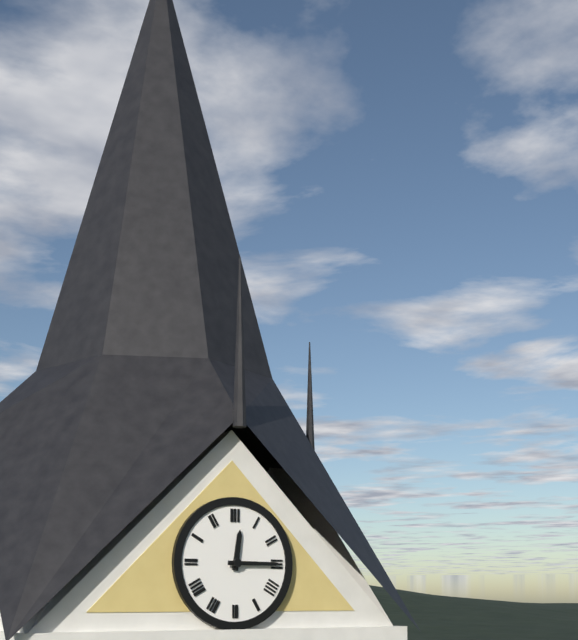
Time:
12.15
